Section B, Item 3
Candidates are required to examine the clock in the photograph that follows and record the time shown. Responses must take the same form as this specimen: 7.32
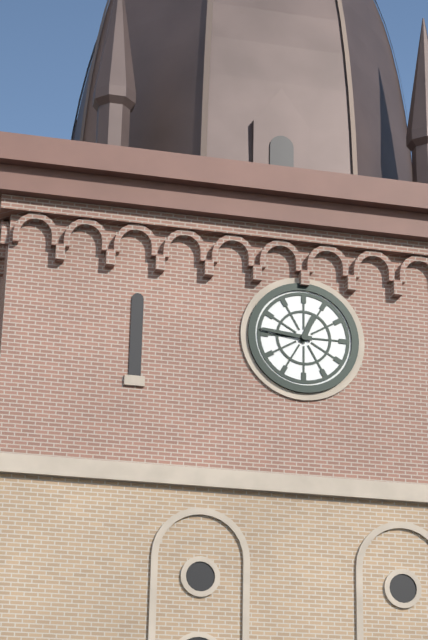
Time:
12.46
